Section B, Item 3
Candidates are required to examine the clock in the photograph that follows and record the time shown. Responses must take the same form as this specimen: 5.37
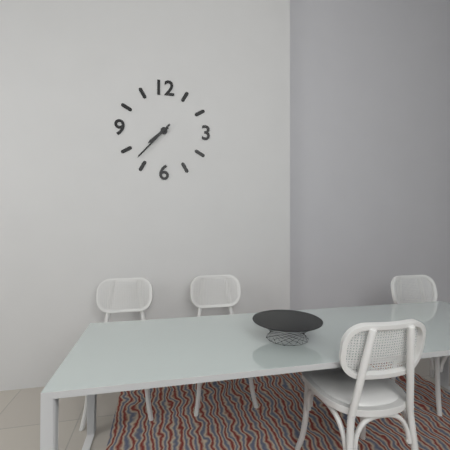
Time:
7.37
